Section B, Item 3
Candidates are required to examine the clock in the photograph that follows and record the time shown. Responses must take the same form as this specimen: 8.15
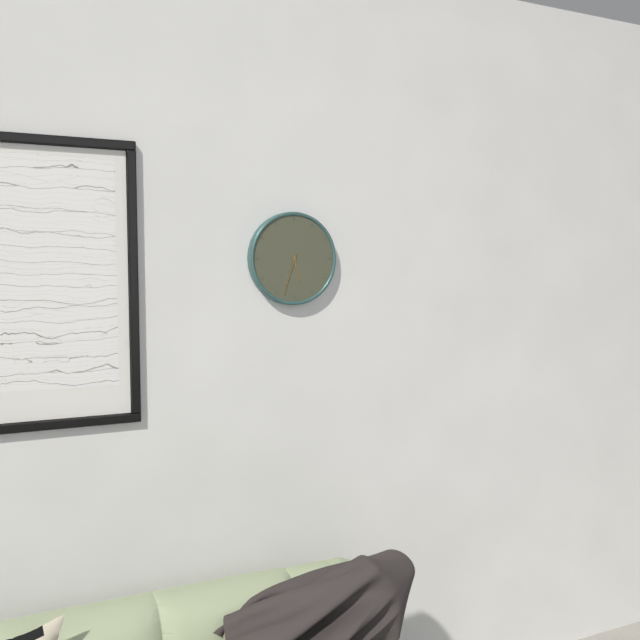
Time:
5.33
